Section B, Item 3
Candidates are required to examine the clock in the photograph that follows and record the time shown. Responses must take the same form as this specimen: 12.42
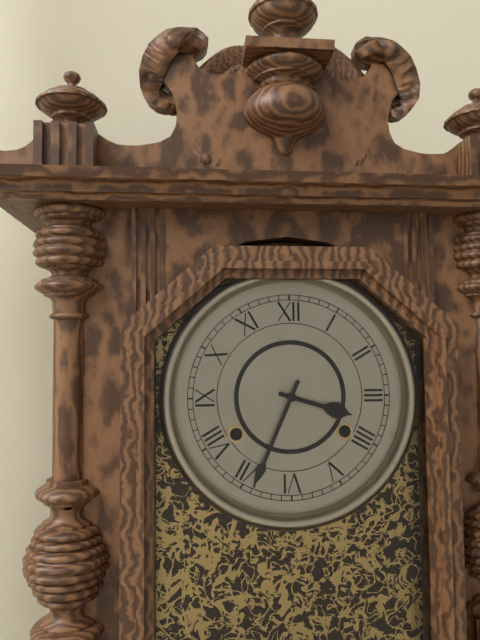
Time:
3.34
